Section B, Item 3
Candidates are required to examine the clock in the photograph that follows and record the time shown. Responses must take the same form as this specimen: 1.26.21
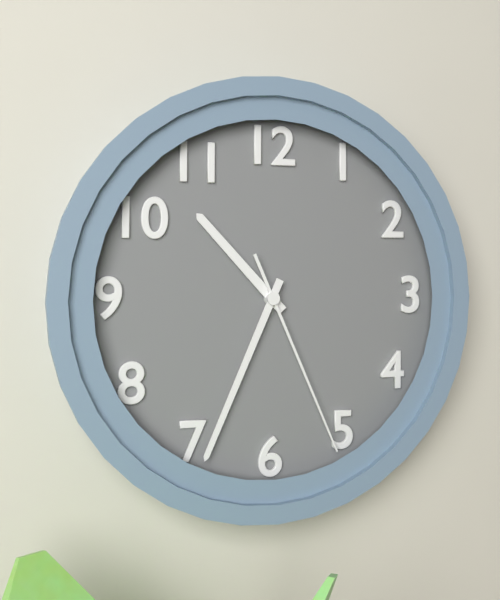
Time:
10.34.26
